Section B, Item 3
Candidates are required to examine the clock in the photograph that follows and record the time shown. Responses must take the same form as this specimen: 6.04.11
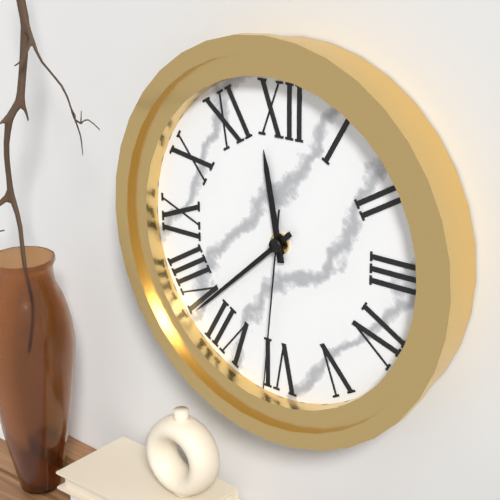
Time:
11.38.31
